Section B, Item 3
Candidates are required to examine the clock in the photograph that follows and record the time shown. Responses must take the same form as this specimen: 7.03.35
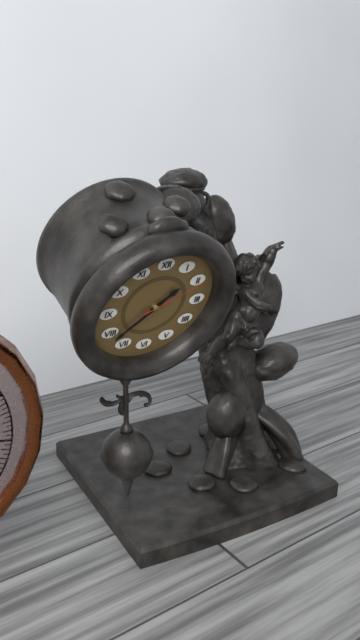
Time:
1.38.11
